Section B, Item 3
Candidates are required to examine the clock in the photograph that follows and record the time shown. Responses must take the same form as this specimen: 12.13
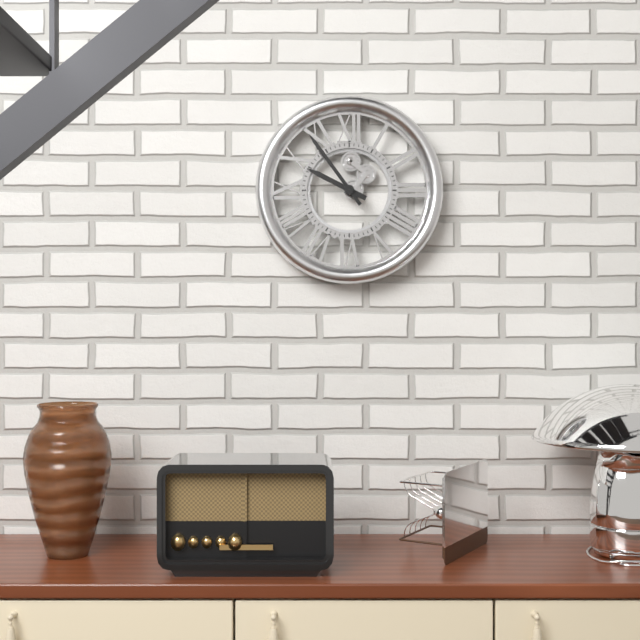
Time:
9.54
